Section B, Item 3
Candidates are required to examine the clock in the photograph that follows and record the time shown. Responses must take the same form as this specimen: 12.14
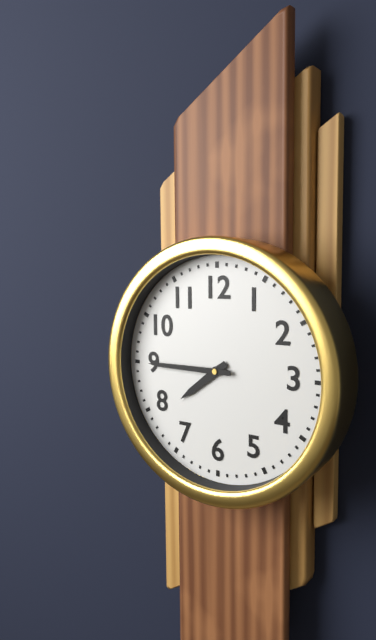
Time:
7.45
